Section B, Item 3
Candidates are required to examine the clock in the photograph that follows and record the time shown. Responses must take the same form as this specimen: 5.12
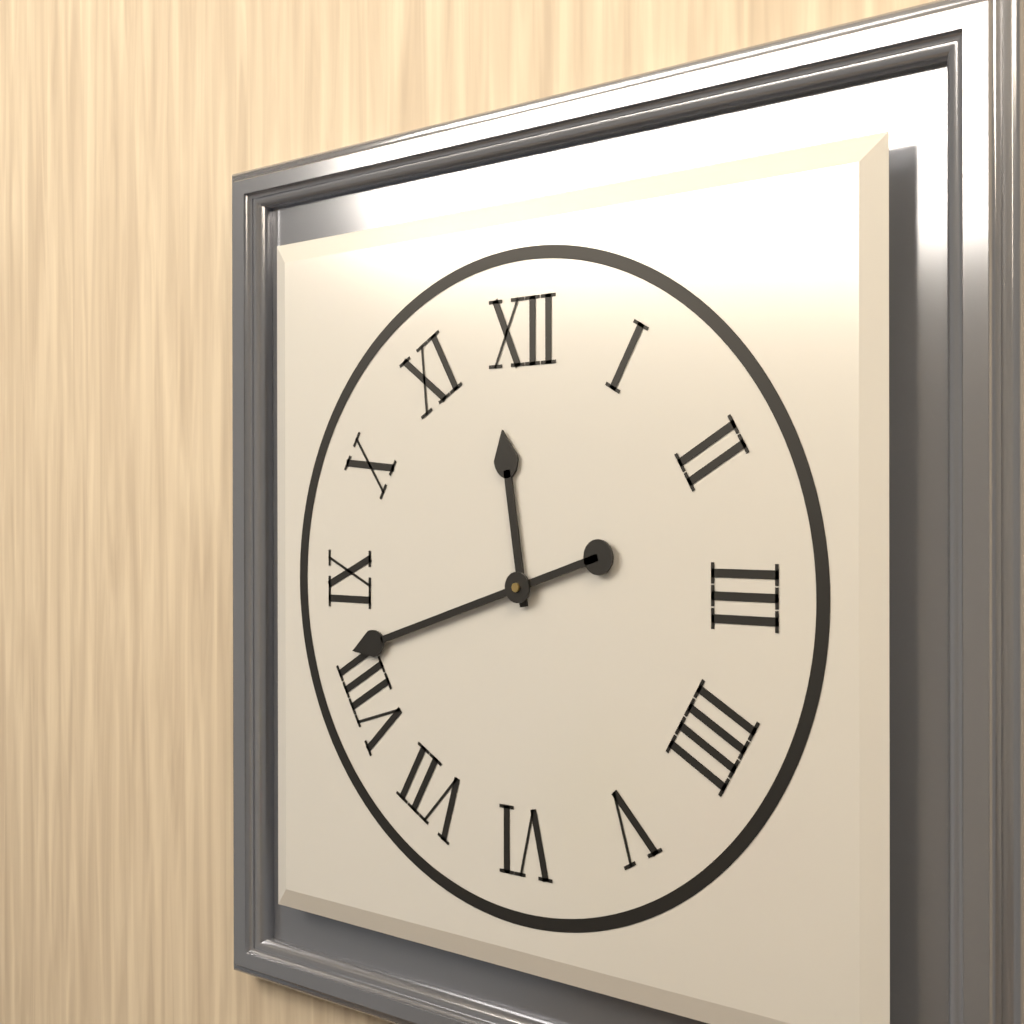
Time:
11.42
